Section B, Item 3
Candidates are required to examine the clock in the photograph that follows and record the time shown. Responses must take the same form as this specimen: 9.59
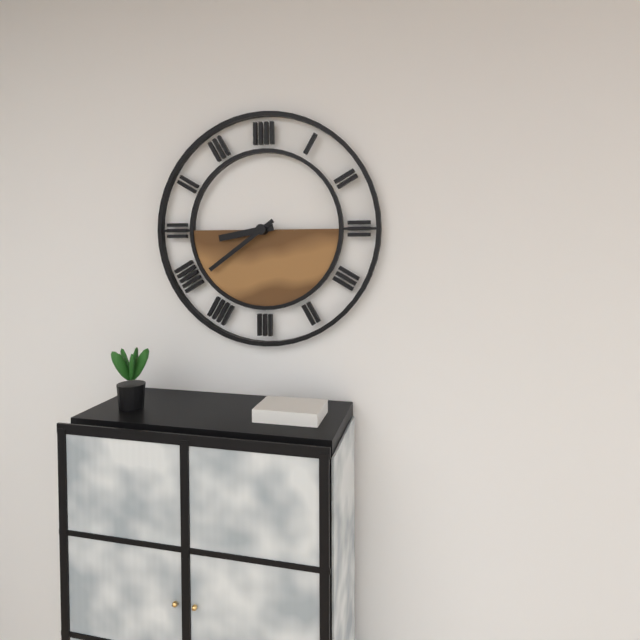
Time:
8.39
